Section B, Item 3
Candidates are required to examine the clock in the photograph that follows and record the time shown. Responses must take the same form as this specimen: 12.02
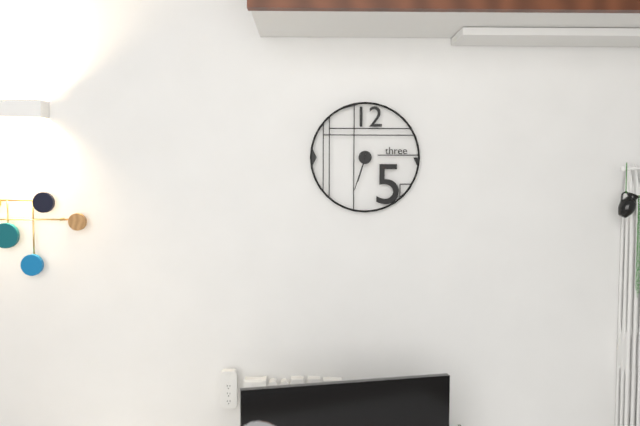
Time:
6.33
